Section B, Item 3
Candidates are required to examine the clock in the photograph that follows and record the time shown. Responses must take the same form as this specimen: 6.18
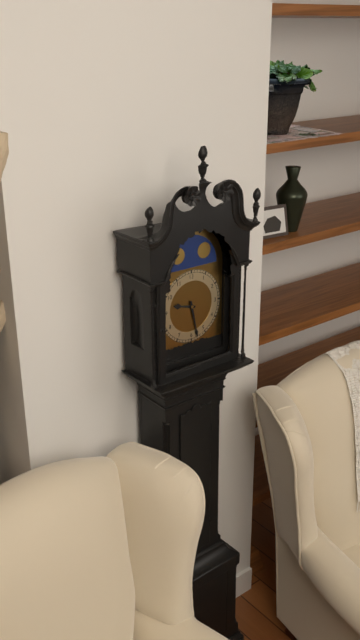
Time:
9.28
